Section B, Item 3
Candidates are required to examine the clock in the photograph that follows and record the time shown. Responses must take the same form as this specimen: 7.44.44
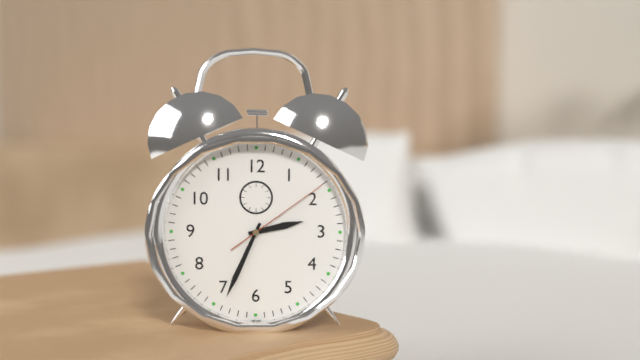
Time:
2.34.09
